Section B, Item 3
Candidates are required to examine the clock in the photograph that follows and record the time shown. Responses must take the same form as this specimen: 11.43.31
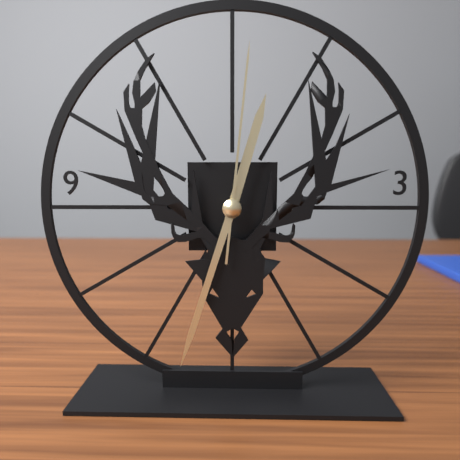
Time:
12.33.01
